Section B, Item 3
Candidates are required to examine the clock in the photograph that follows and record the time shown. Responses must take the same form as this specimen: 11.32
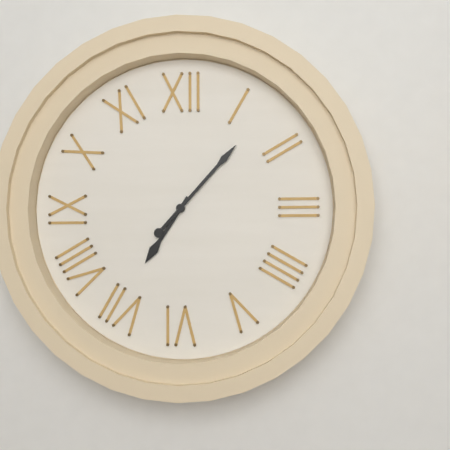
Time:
7.07
